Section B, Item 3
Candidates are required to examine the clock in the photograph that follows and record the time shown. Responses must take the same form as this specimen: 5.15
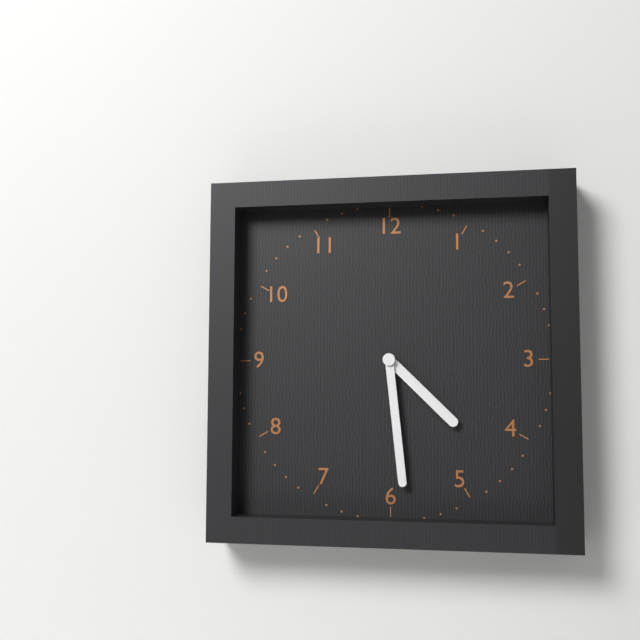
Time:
4.29
